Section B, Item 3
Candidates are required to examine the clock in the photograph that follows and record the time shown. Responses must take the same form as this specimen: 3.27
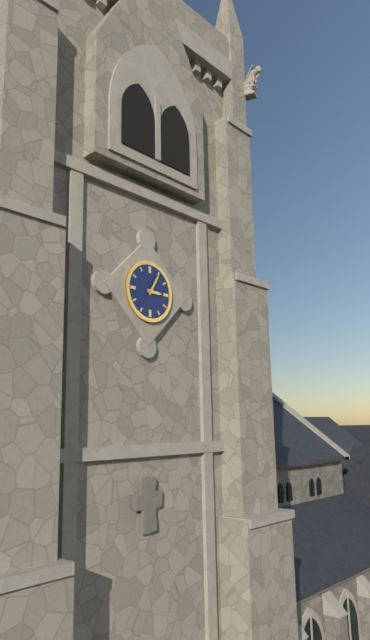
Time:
3.05
